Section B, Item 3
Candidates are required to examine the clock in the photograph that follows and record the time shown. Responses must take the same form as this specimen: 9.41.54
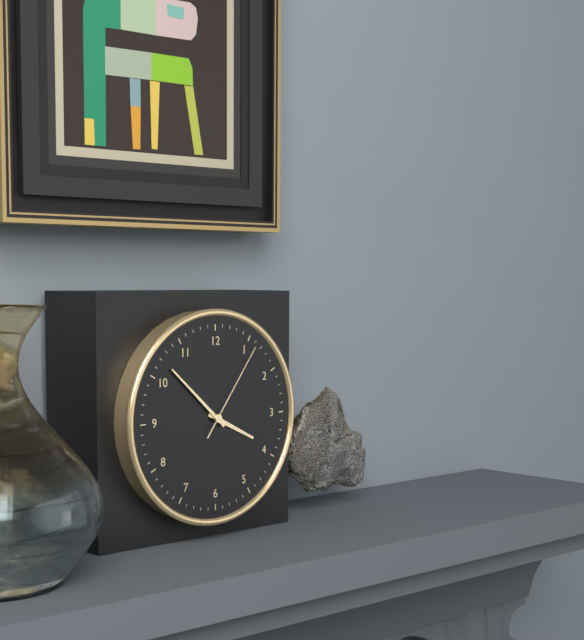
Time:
3.52.06
